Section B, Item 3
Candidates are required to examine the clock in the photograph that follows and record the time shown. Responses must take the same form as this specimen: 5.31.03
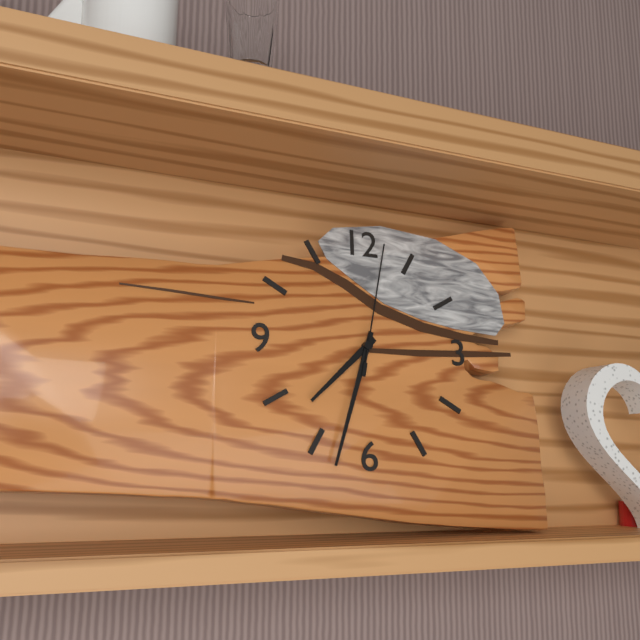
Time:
7.33.02
